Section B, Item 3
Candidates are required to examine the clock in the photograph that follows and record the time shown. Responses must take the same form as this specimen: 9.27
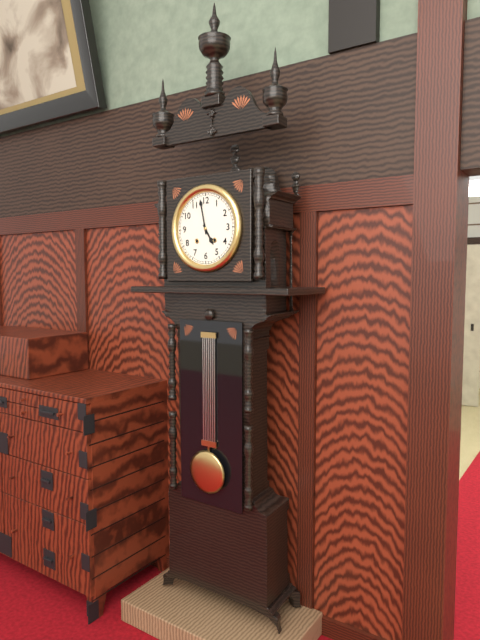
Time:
4.58
